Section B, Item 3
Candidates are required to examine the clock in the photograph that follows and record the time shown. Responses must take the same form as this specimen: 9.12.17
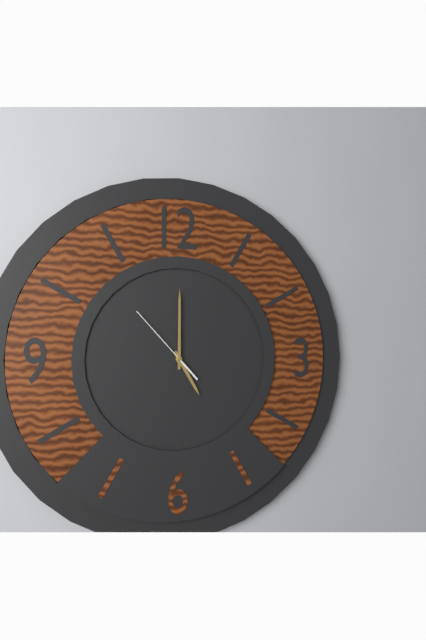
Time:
5.00.53
